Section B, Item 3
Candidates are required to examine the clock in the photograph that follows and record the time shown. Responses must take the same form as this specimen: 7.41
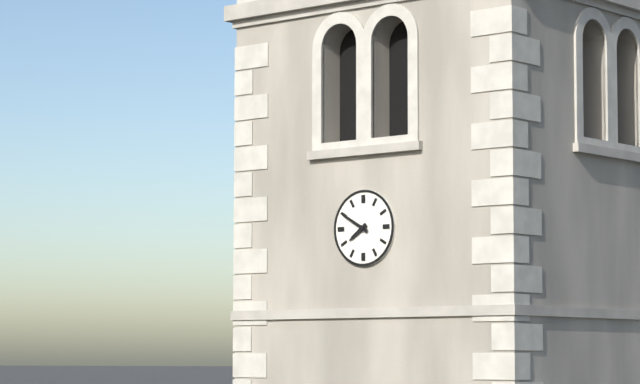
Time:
7.50
